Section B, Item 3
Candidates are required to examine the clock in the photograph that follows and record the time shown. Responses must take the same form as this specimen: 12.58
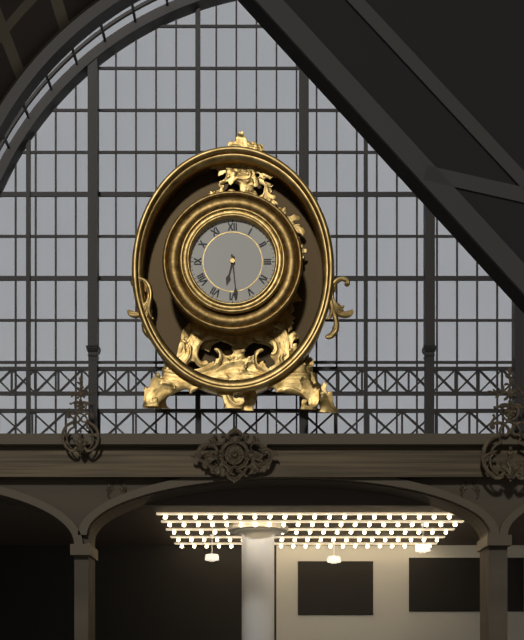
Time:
6.29
